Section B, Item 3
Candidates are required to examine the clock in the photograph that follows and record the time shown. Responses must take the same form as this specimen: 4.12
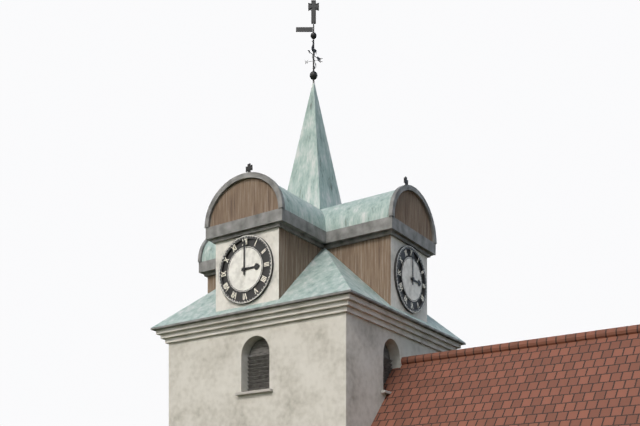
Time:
3.00
